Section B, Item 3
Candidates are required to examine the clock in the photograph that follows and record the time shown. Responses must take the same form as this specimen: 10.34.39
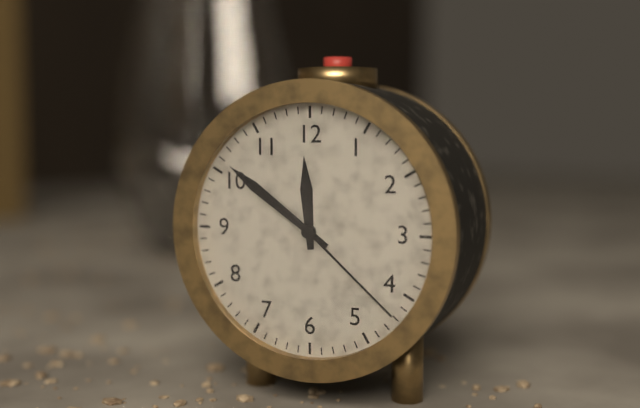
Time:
11.51.22
